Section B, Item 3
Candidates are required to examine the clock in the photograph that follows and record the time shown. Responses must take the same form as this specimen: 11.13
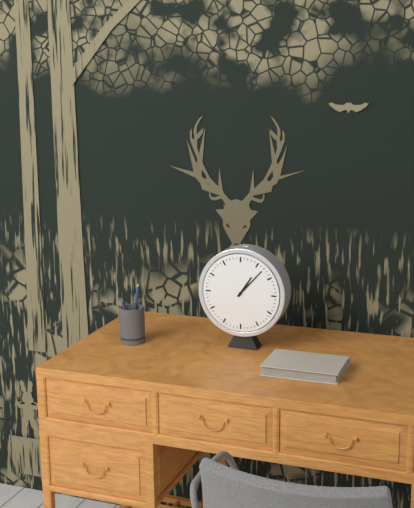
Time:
1.07
